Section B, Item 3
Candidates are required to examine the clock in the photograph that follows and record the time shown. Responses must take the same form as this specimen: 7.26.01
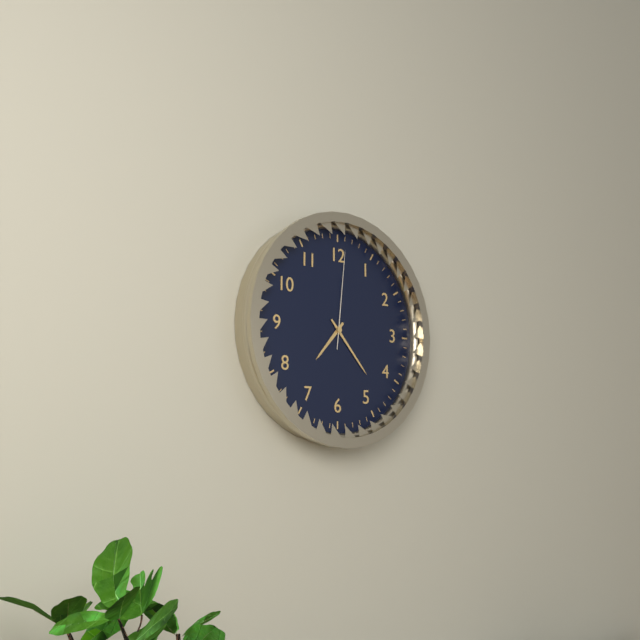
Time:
7.23.01
